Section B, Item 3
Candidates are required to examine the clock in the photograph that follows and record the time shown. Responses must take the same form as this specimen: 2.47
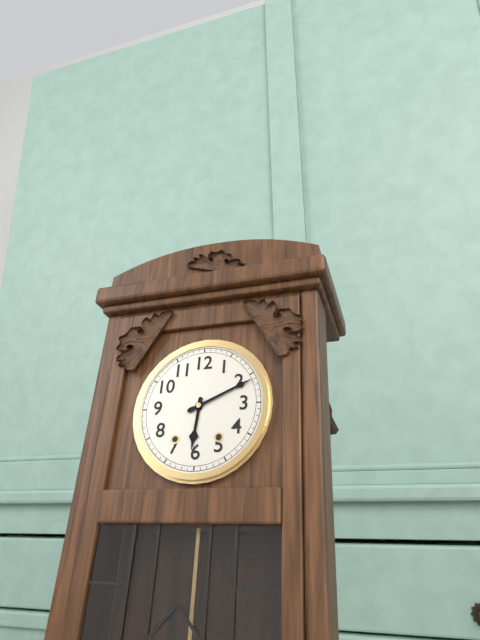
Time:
6.11
